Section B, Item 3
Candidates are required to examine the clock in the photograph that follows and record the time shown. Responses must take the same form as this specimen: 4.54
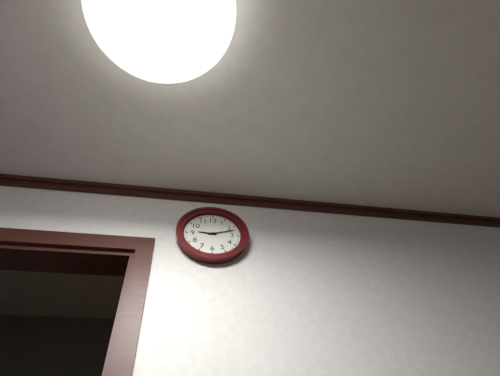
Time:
9.12
